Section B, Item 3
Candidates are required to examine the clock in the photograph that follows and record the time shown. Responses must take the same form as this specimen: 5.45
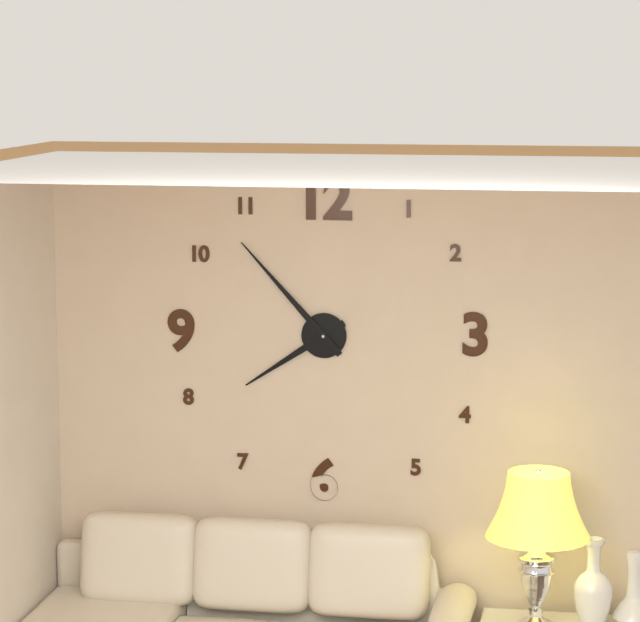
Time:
7.53
